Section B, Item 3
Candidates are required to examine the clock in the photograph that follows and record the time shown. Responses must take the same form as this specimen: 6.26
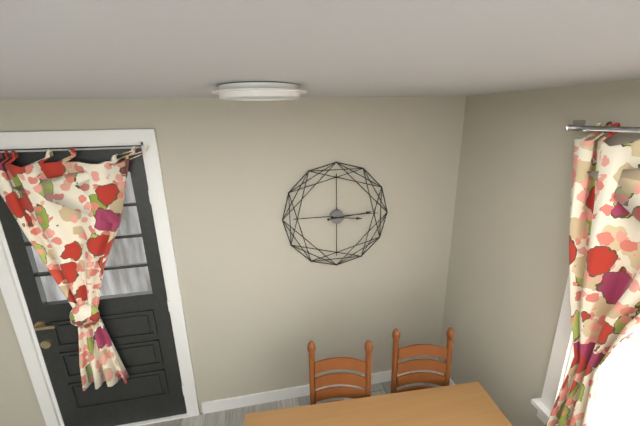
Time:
3.14
